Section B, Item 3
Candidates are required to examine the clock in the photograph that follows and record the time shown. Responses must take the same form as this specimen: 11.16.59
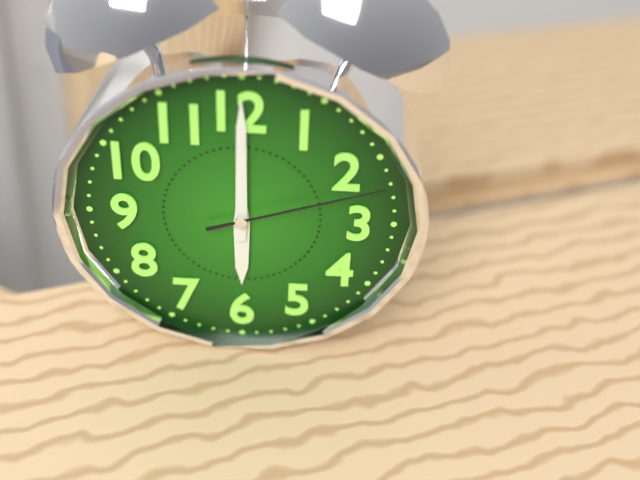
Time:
6.00.12
